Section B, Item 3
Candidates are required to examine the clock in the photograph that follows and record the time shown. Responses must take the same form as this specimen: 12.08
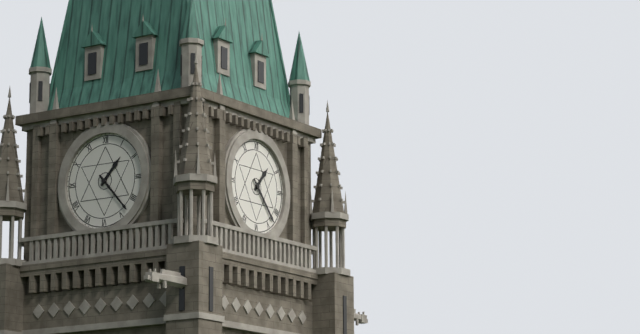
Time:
1.23
